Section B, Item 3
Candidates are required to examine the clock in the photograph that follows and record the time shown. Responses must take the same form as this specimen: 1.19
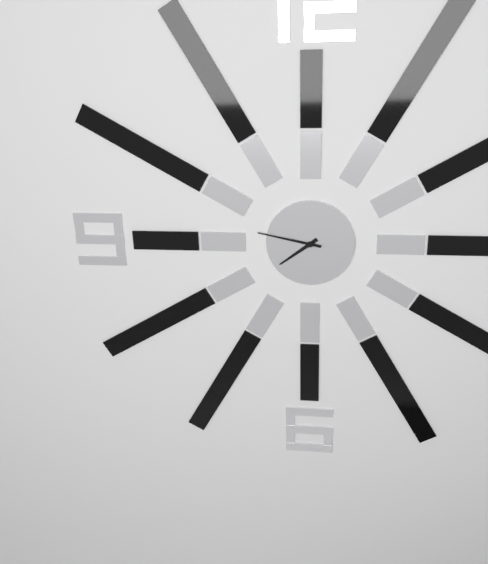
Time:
7.47
